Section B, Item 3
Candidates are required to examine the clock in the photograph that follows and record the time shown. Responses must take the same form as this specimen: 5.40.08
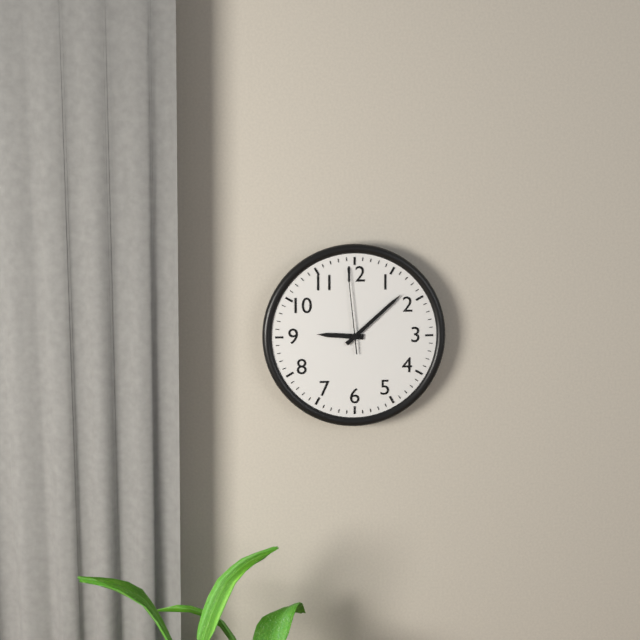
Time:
9.08.59
